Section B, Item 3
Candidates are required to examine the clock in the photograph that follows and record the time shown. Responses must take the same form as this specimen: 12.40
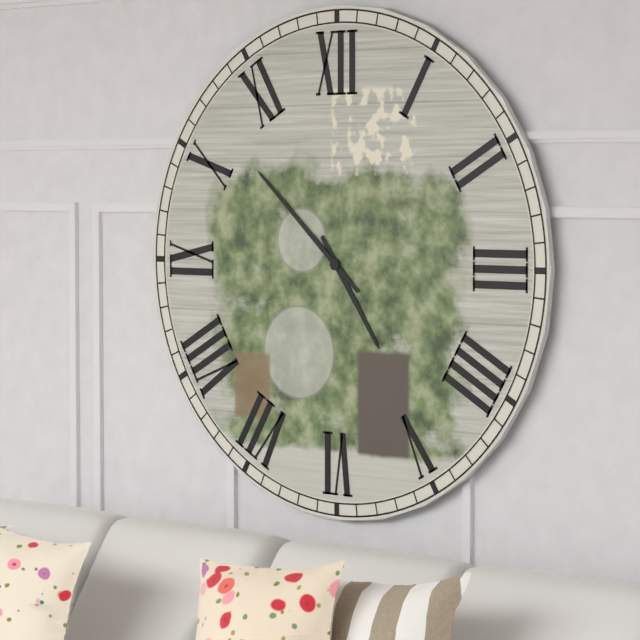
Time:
4.52
